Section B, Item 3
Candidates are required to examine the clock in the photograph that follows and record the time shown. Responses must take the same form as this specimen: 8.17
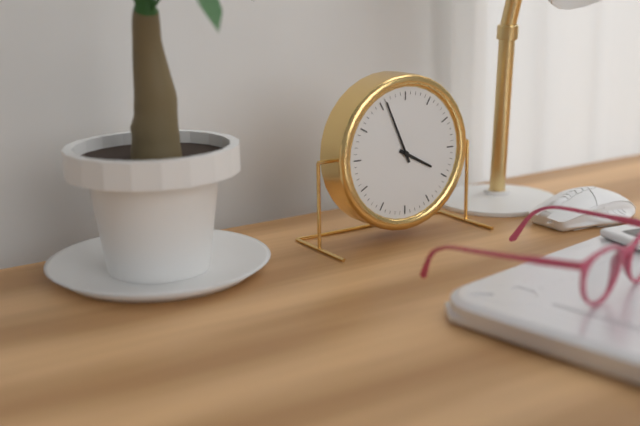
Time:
3.56
